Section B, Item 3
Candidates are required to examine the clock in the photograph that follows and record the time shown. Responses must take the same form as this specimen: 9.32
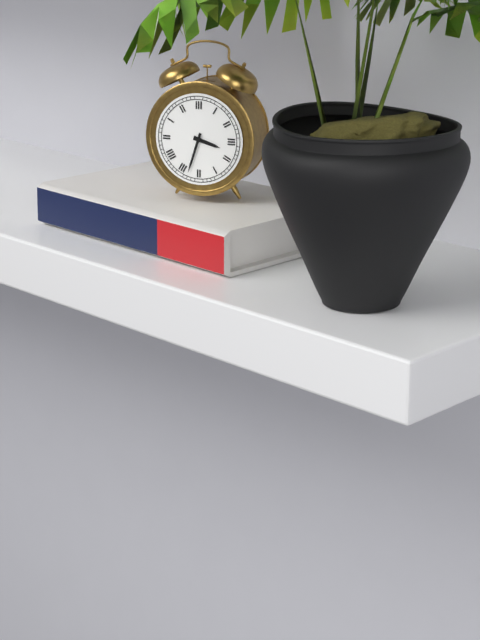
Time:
3.33
